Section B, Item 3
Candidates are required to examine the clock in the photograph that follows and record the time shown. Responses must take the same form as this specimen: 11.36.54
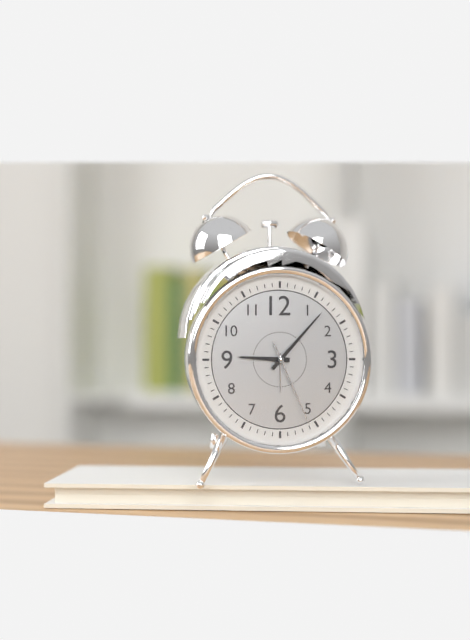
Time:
9.07.26
